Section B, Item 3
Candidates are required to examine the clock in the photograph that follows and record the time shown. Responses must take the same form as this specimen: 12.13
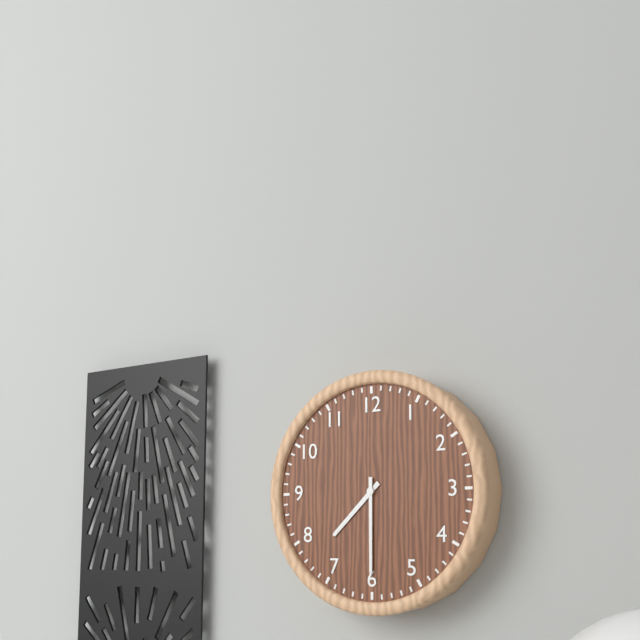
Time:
7.30
